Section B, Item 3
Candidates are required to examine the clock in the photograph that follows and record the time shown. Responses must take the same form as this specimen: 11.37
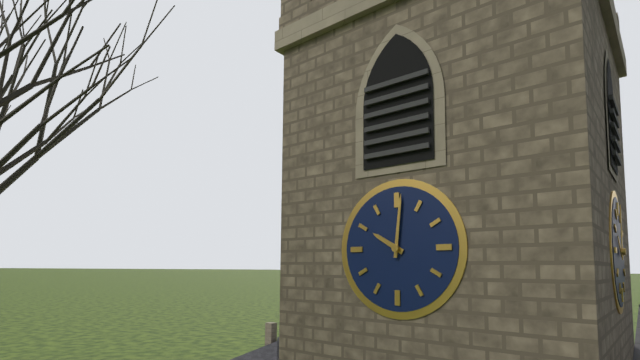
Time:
10.01
